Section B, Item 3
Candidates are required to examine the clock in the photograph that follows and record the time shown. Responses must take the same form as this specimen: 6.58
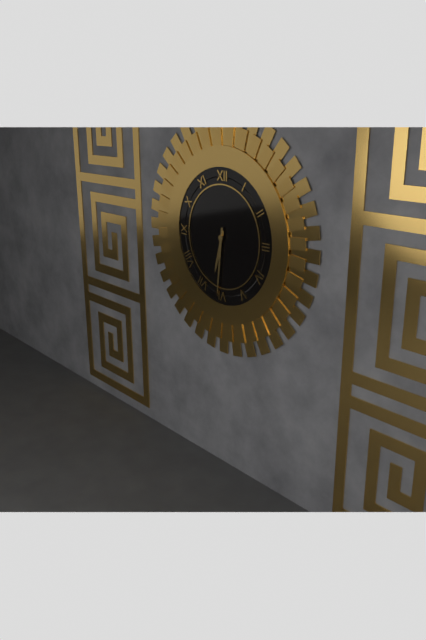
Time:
6.31
